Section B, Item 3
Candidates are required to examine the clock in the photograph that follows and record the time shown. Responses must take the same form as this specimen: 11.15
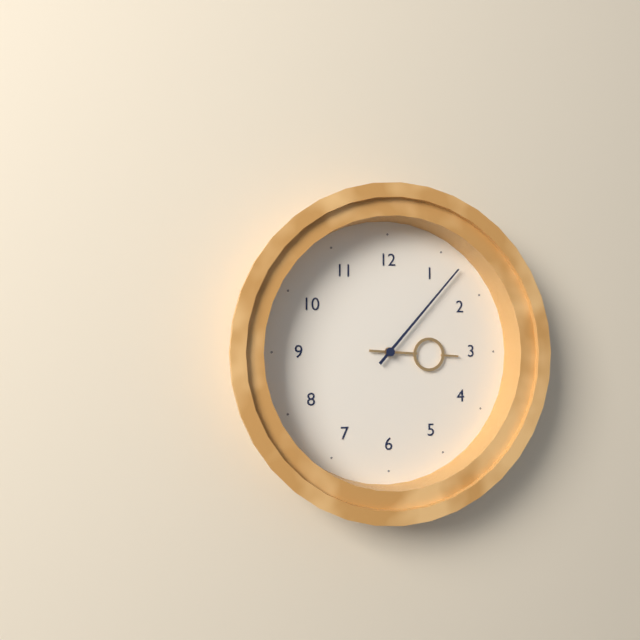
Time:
3.07
